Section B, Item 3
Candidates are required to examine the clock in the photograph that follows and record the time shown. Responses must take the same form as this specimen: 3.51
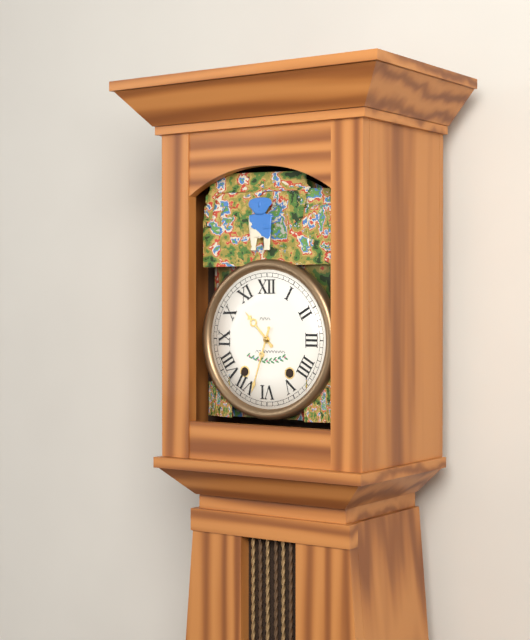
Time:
10.33
